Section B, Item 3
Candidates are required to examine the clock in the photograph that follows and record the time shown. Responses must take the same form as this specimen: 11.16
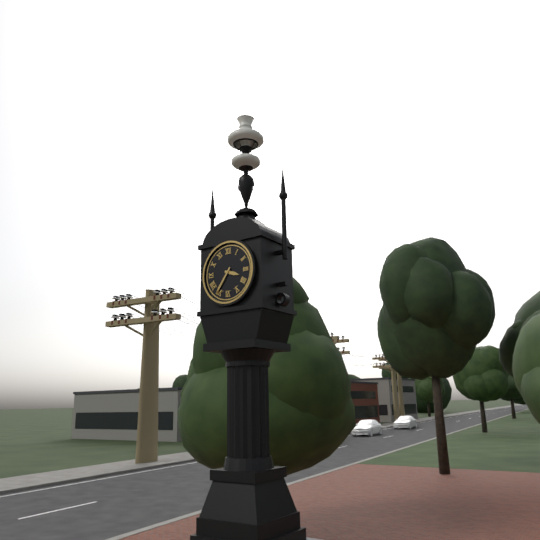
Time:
3.36
